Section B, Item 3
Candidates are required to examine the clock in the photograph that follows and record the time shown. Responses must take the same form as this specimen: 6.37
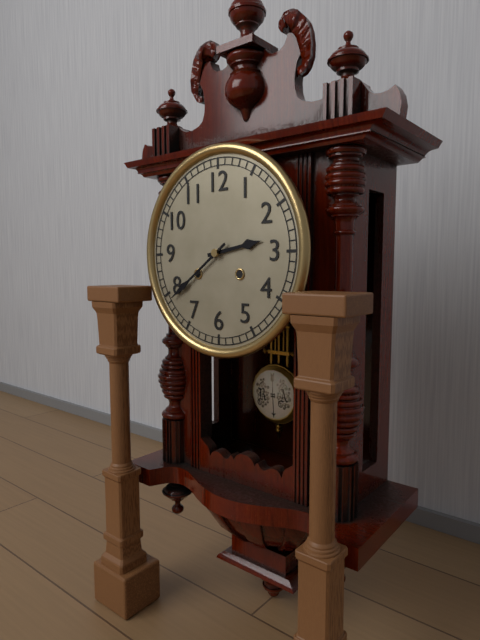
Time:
2.39
